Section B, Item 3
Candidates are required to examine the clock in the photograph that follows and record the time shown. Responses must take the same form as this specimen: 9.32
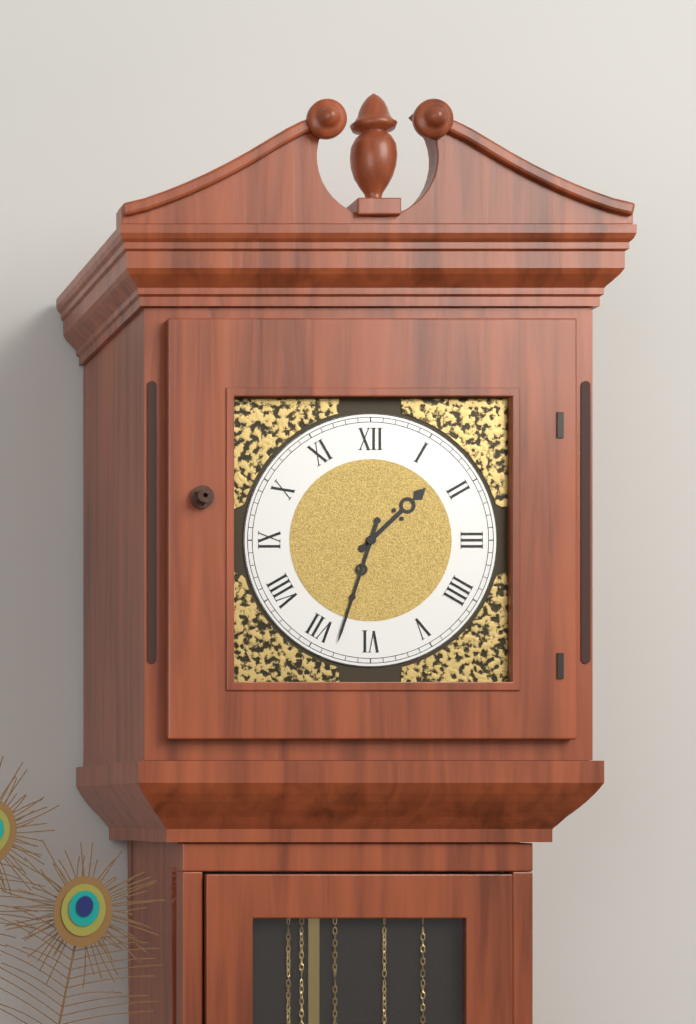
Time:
1.33
